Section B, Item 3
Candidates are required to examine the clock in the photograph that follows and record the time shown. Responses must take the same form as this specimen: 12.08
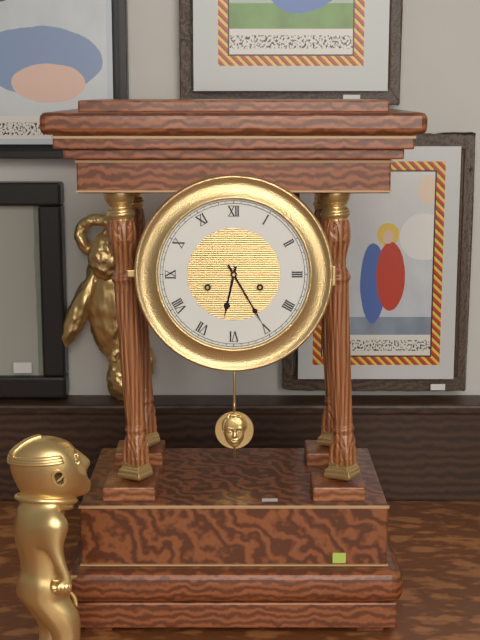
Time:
6.25
